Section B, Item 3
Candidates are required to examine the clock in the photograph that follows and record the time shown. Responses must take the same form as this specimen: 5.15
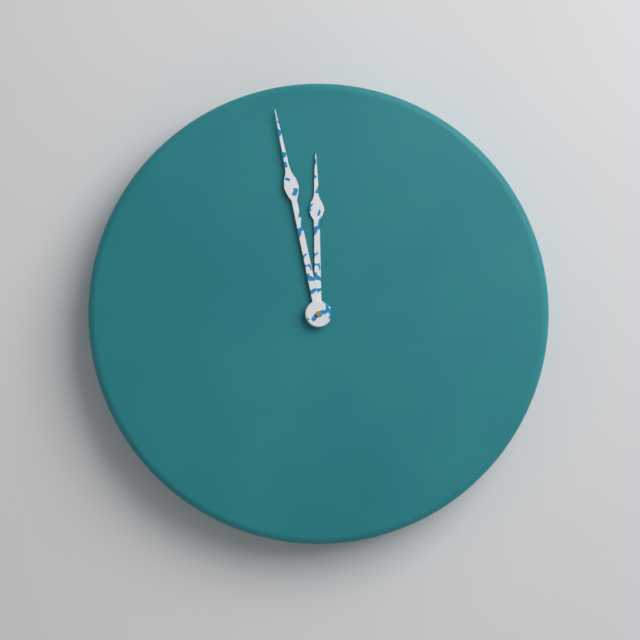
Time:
11.58
